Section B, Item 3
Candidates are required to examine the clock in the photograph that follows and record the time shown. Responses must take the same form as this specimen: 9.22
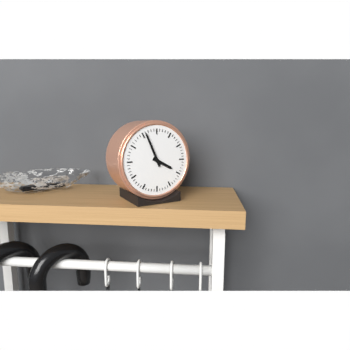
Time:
3.56
